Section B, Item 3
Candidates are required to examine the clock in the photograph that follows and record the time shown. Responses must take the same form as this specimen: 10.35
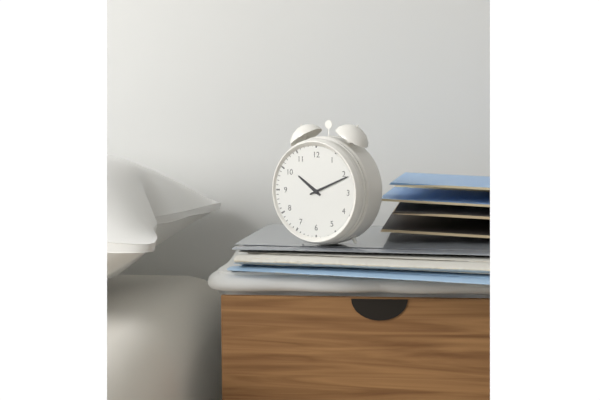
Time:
10.11
